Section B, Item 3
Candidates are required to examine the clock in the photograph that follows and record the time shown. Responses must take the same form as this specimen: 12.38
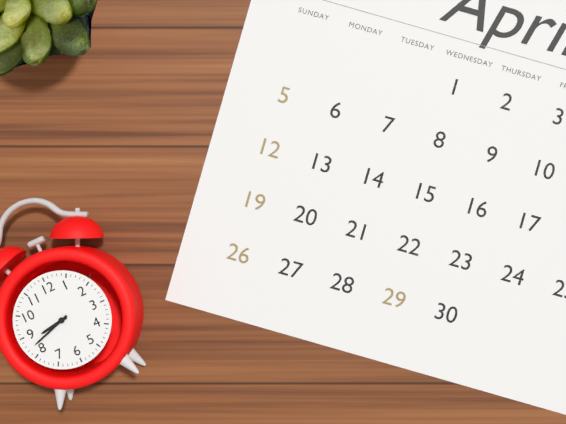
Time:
8.42
